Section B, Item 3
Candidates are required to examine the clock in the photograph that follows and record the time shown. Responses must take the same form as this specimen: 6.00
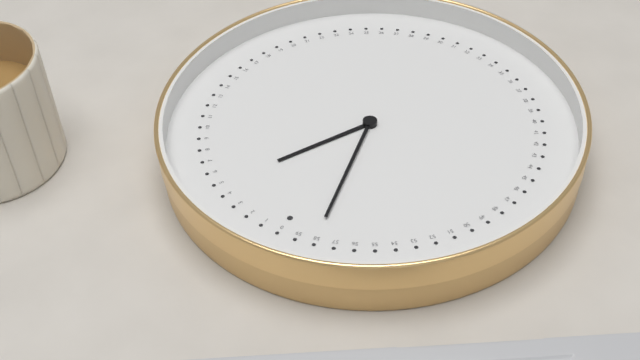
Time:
12.58
